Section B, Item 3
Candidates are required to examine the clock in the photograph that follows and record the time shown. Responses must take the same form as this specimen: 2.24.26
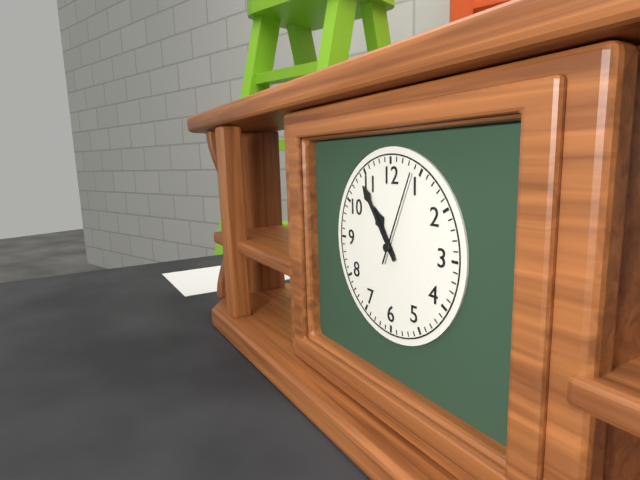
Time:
10.54.04
